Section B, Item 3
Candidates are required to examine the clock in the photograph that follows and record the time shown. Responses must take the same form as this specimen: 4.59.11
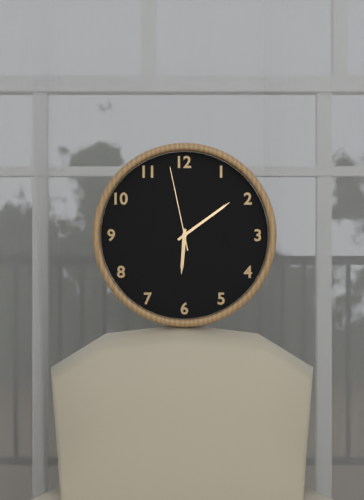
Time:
6.09.58
